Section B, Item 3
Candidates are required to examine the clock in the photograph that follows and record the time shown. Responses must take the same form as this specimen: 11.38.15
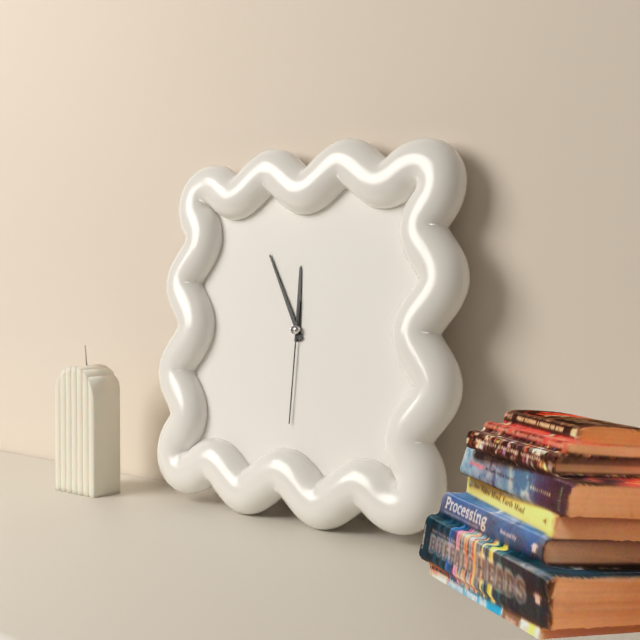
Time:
11.55.30
